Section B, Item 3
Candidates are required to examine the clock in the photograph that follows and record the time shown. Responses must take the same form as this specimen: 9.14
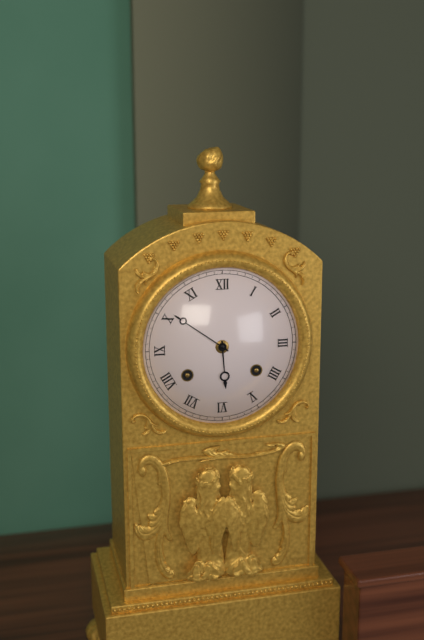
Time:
5.51
